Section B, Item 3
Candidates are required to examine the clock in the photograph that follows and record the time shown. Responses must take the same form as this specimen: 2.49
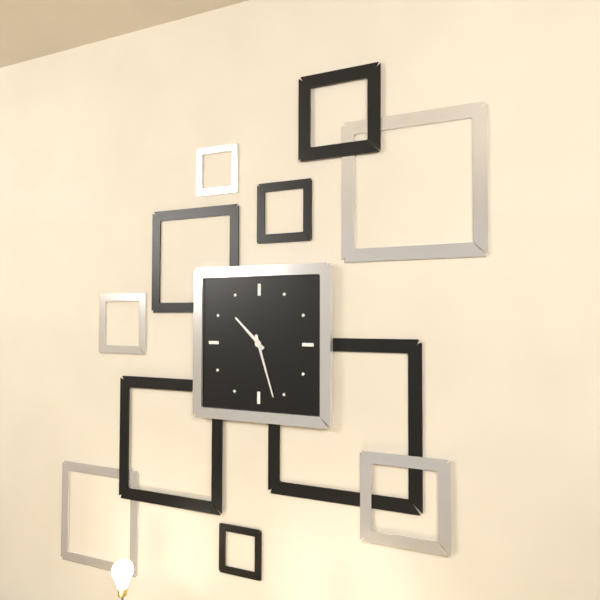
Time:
10.27
